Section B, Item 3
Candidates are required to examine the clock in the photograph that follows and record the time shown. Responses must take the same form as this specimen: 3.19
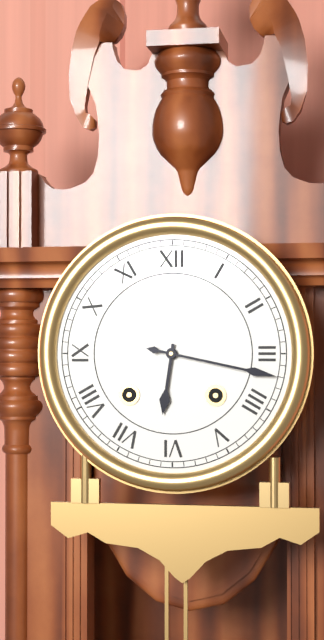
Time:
6.17
